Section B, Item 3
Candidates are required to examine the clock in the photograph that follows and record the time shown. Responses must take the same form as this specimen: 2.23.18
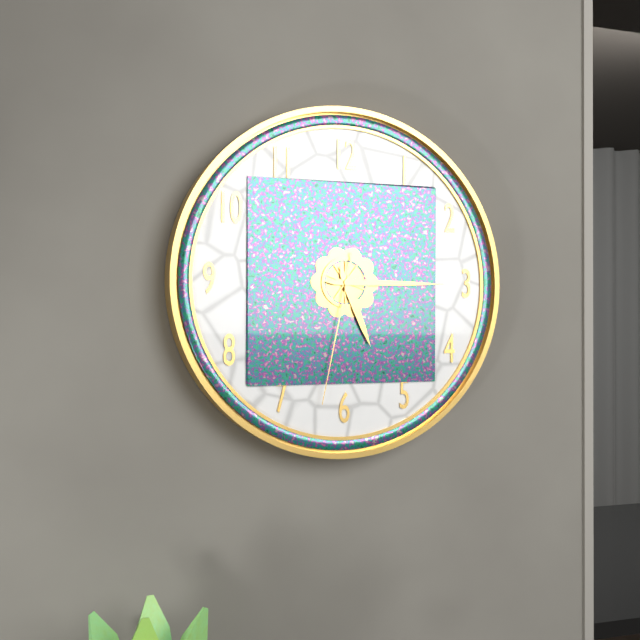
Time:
5.15.32
